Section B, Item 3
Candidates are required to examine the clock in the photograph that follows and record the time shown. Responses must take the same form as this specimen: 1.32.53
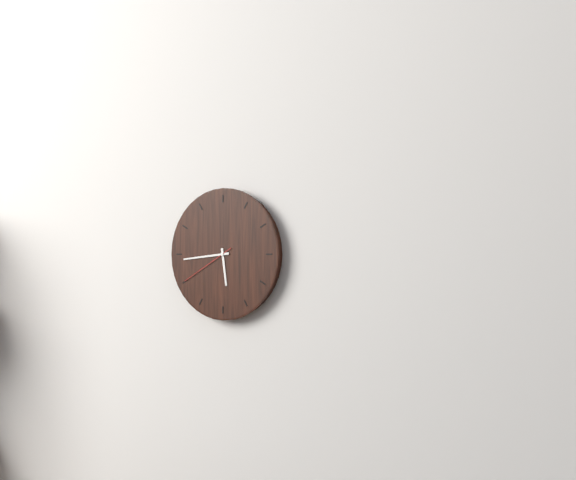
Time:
5.44.40
